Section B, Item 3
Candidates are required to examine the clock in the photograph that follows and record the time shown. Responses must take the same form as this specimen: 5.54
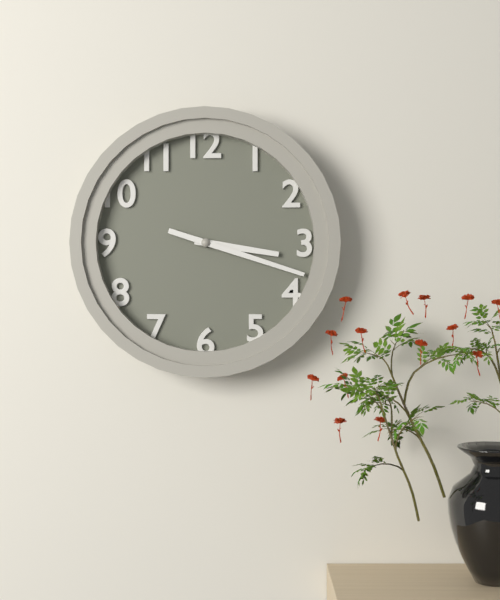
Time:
3.18
